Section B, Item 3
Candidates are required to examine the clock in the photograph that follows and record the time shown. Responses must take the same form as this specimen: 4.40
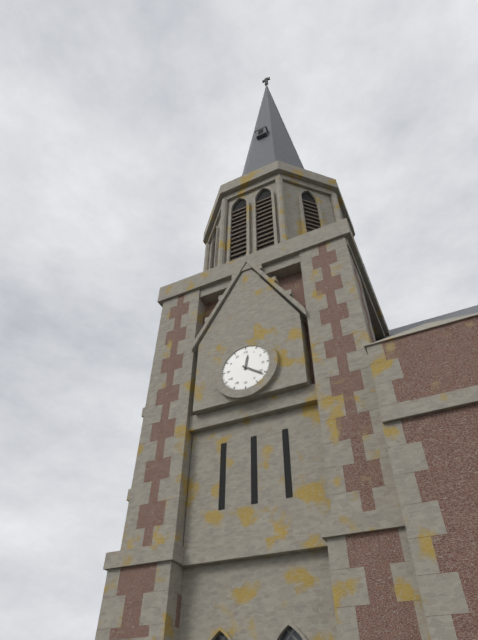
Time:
12.21
